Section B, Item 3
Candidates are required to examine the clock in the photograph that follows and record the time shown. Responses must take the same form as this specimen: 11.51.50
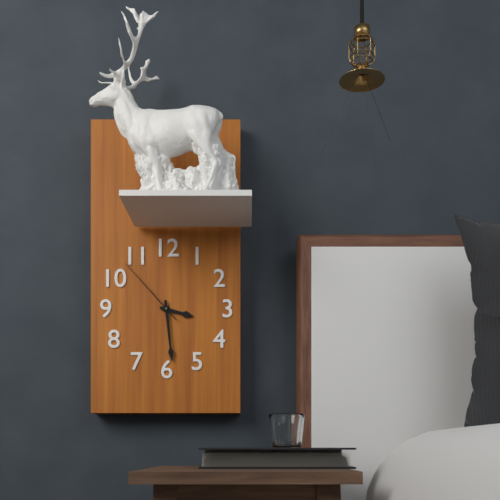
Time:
3.29.53
